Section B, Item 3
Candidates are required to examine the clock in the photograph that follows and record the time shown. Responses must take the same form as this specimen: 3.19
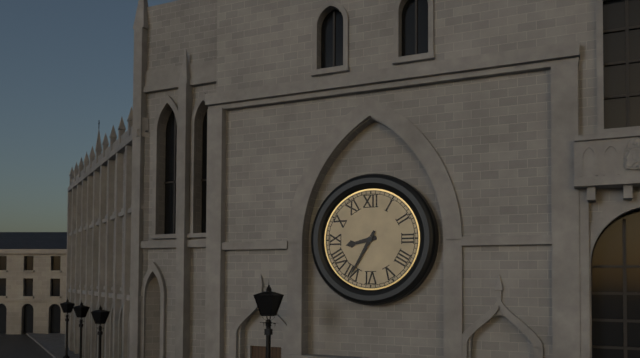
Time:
8.35
